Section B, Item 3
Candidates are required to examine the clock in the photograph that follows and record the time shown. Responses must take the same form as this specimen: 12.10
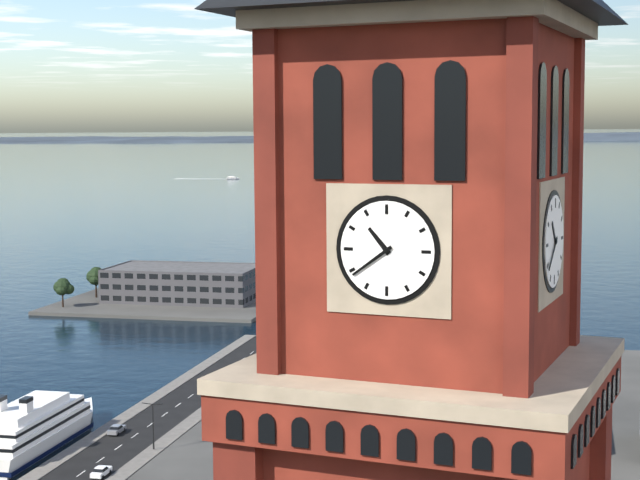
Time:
10.39
